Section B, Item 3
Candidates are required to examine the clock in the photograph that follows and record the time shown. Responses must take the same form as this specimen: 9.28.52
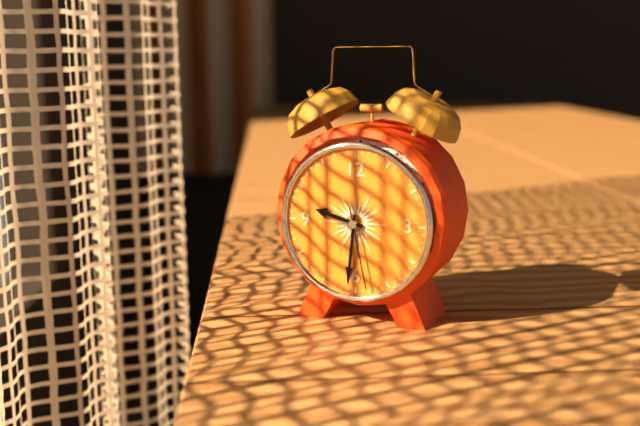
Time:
9.31.28
